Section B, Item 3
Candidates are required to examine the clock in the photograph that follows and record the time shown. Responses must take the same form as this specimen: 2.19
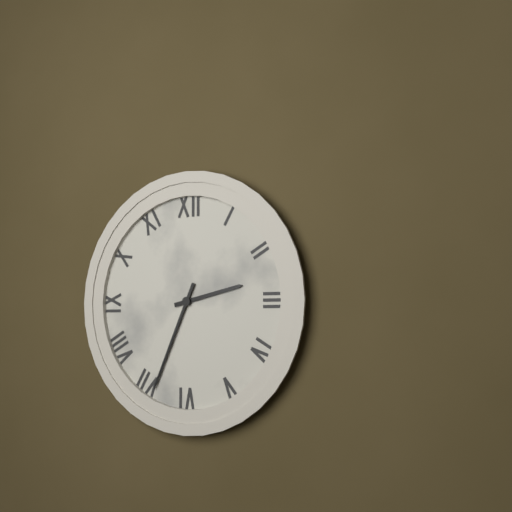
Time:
2.34
